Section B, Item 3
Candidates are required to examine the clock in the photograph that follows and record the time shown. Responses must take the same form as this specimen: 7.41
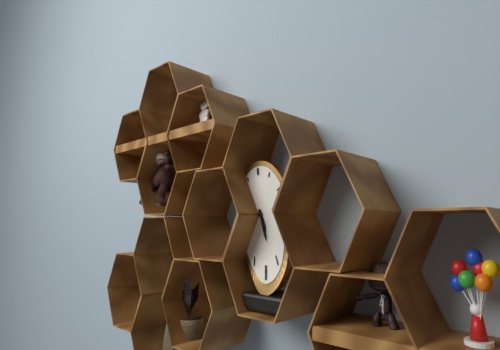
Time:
5.28
